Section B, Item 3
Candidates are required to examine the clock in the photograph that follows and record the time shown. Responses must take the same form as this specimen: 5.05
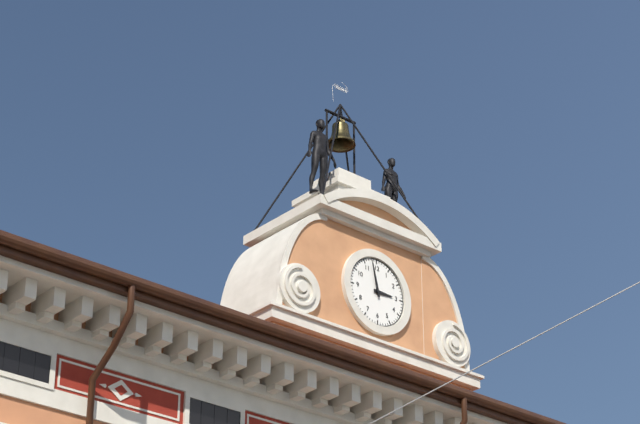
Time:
2.58
